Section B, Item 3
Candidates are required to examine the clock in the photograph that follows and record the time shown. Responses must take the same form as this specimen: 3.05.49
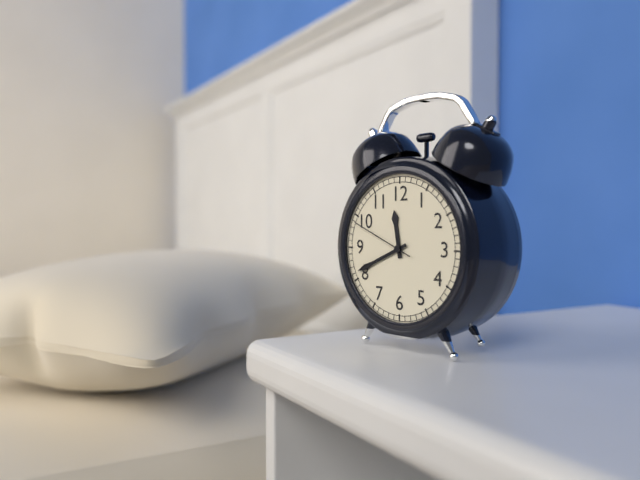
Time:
11.41.49
